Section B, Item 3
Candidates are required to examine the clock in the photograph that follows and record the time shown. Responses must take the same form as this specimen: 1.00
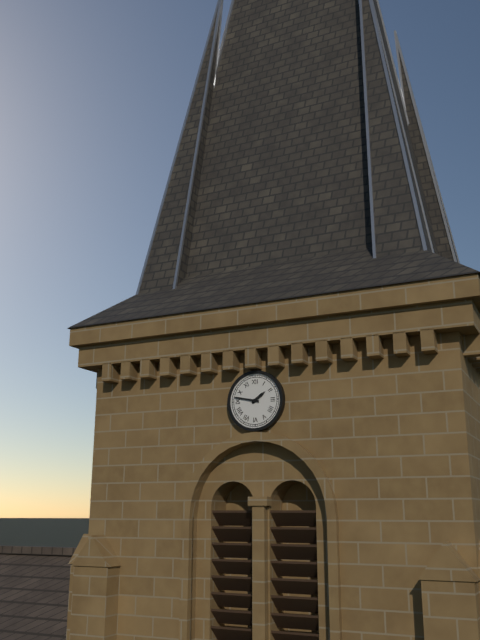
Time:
1.47
